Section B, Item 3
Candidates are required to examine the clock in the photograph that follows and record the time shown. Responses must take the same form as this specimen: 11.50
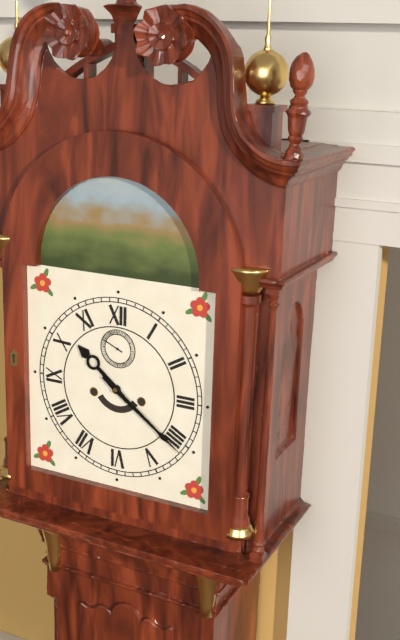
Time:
10.21
